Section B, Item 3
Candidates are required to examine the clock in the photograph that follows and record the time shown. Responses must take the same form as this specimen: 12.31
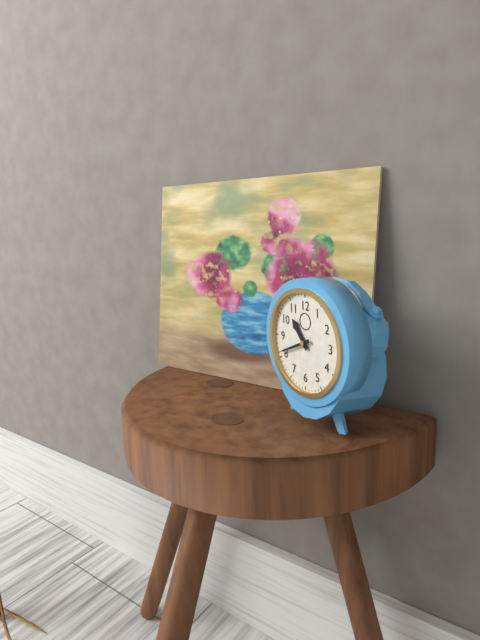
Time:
10.41
